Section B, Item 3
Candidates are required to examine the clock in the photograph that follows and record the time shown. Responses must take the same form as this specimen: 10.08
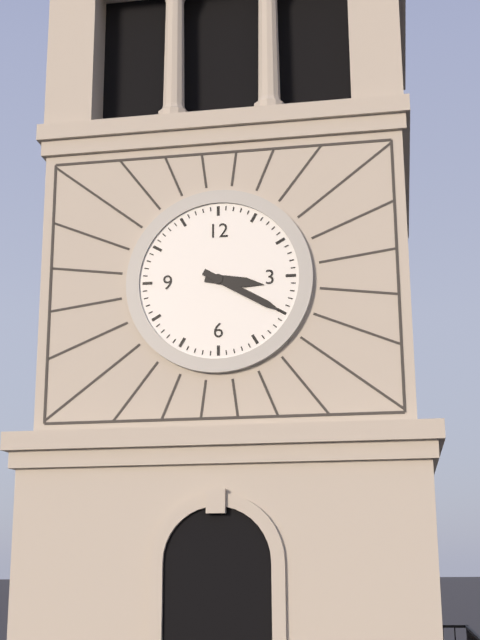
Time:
3.20
